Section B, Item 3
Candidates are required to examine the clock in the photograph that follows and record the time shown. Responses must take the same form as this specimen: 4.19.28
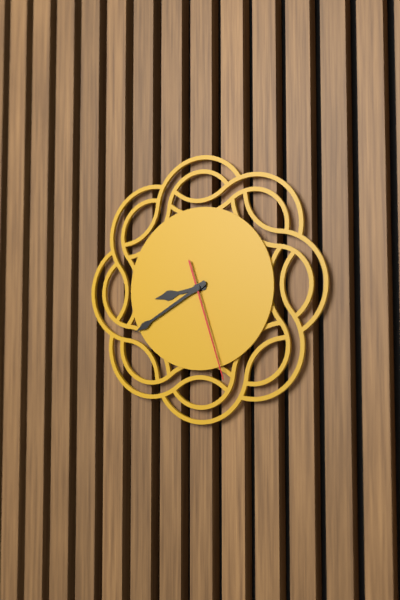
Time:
8.40.27
